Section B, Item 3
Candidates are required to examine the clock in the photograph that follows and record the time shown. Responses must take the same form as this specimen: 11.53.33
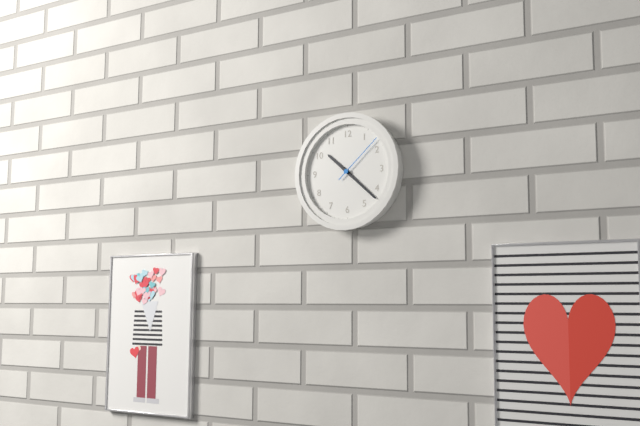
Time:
10.22.08
